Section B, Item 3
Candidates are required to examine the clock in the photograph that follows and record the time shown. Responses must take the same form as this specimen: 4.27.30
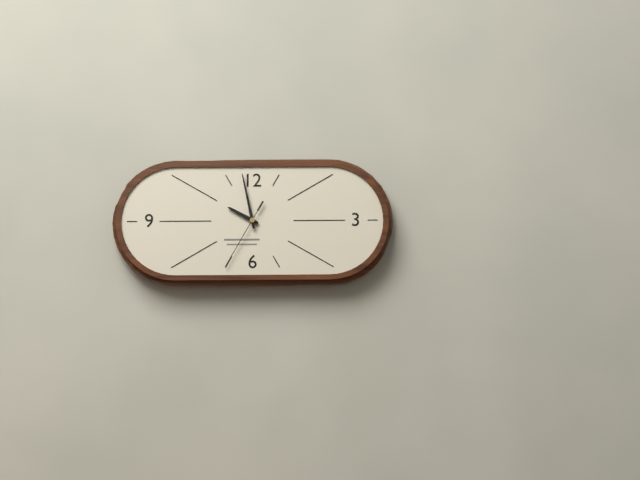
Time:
9.58.35
